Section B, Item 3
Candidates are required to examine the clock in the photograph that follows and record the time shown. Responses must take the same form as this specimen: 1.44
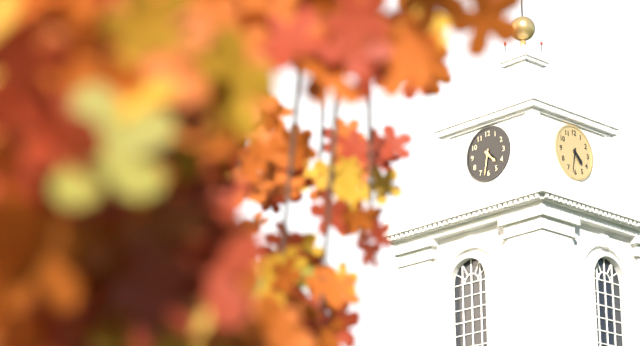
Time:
4.32
